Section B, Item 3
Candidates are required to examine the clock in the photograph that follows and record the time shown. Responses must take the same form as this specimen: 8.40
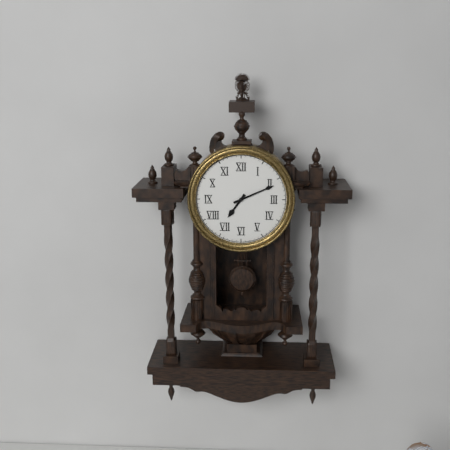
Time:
7.11
